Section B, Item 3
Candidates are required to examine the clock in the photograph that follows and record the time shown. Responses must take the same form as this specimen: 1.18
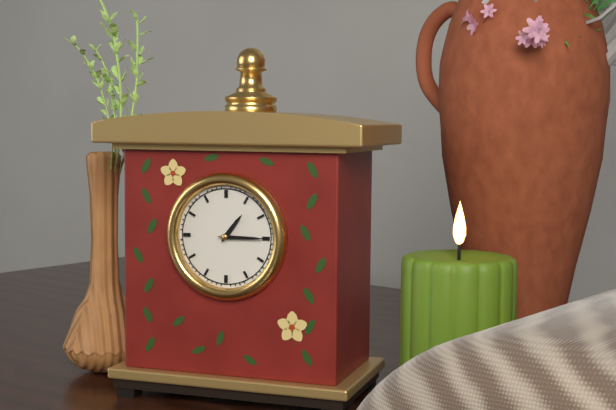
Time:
1.15
